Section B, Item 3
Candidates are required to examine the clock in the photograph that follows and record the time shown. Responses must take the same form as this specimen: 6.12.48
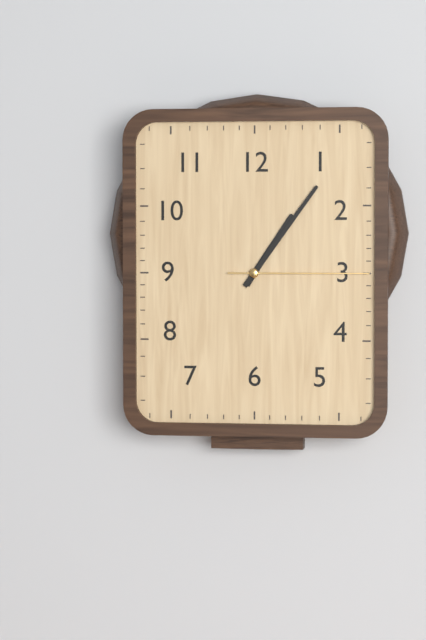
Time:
1.06.15
